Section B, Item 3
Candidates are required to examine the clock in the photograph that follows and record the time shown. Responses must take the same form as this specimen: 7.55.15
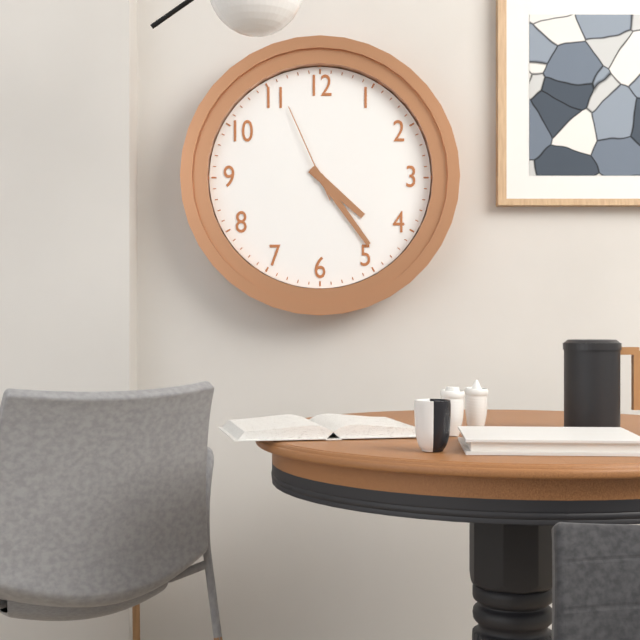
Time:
4.24.56
